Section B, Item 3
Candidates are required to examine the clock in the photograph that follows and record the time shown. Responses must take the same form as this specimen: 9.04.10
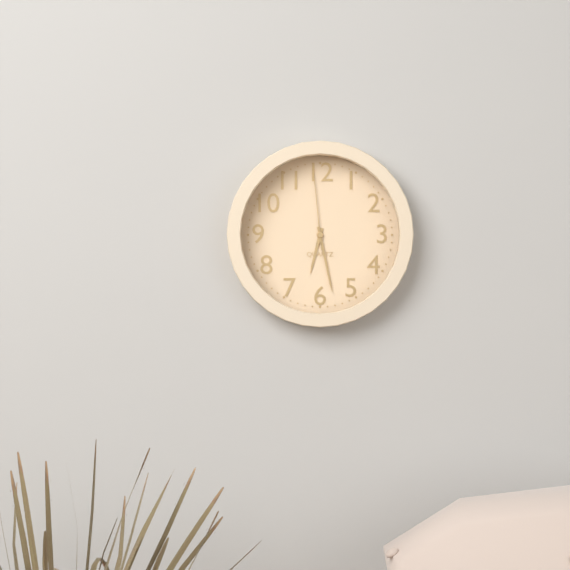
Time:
6.28.59
